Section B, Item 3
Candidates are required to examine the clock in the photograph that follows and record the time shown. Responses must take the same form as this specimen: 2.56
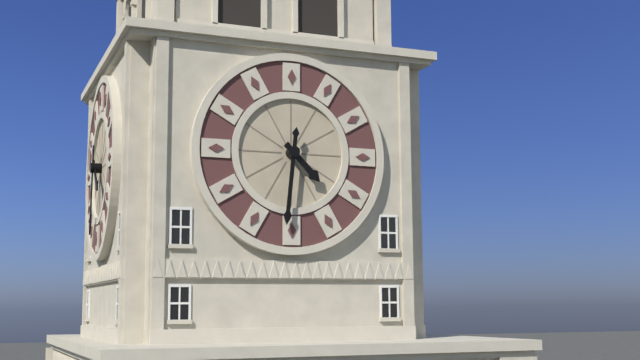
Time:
4.31
